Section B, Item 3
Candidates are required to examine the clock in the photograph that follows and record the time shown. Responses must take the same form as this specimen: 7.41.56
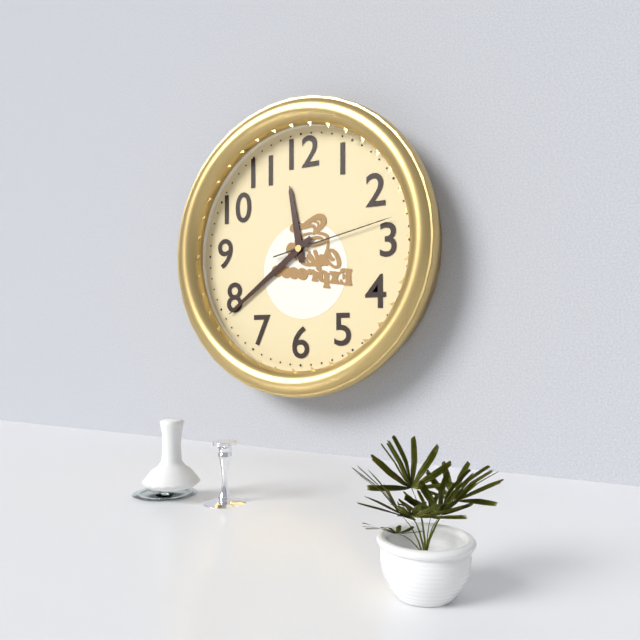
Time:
11.39.13
